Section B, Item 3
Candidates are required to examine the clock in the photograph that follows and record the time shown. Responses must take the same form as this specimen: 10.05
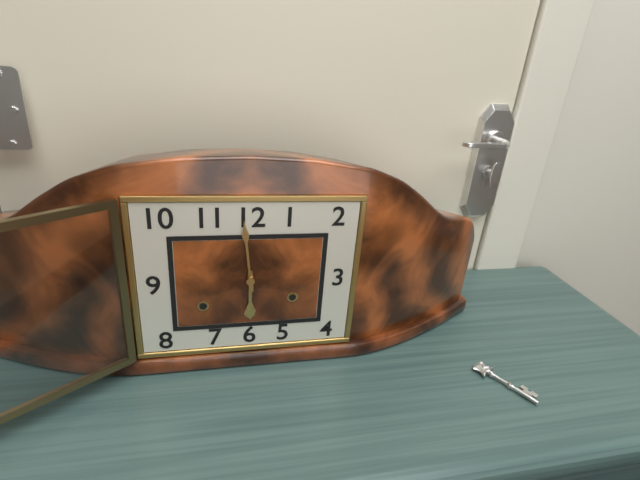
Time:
5.59
